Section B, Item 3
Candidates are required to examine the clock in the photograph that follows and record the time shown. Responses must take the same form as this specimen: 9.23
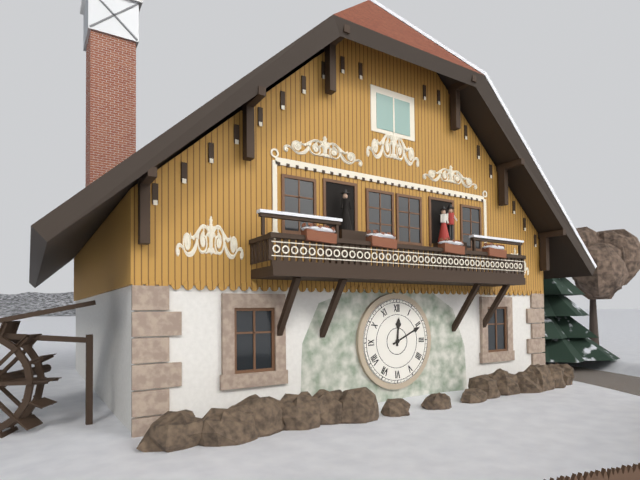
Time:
12.11
